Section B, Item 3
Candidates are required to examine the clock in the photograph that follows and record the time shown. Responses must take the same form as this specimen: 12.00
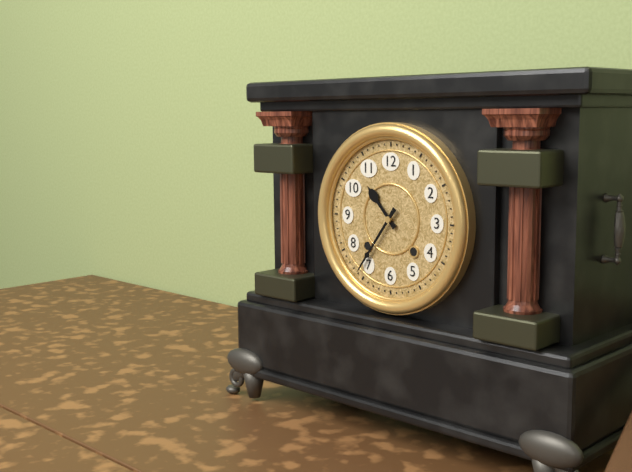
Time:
10.36
